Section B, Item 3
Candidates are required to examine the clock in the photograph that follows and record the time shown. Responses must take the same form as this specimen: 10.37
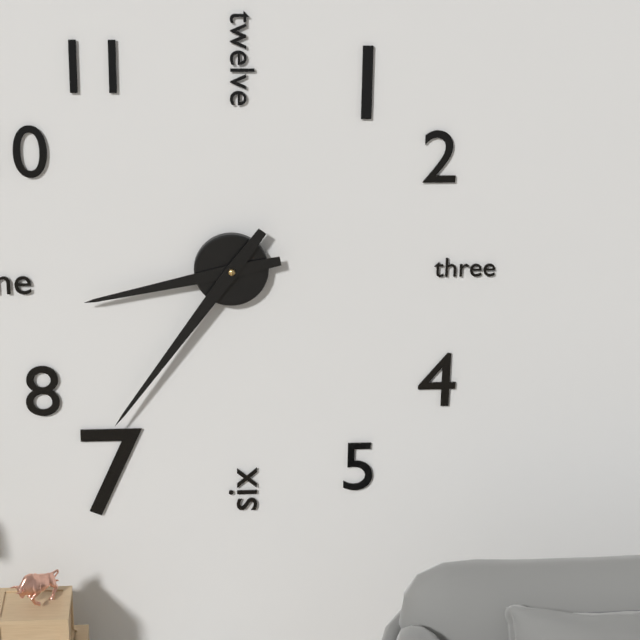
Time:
8.36
